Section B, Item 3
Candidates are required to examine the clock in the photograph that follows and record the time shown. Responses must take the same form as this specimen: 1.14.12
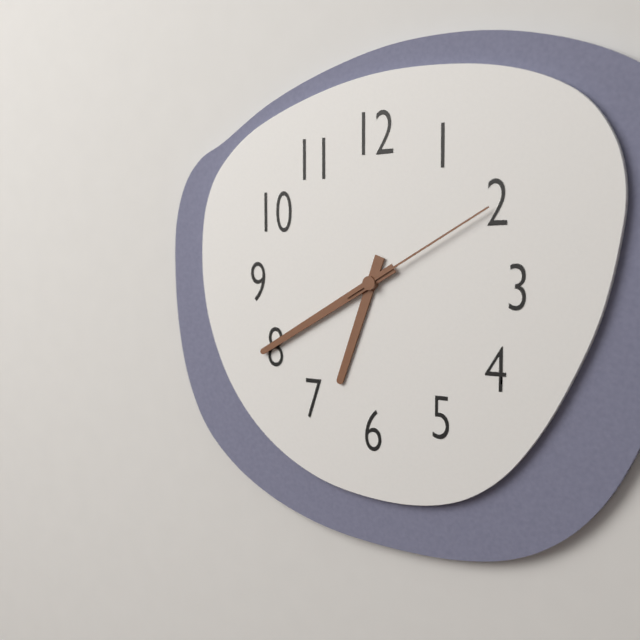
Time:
6.40.10
